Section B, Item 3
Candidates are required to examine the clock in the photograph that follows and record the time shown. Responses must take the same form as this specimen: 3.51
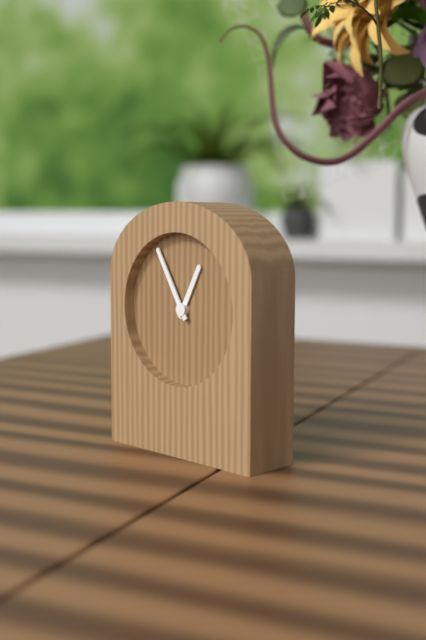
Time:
12.55
